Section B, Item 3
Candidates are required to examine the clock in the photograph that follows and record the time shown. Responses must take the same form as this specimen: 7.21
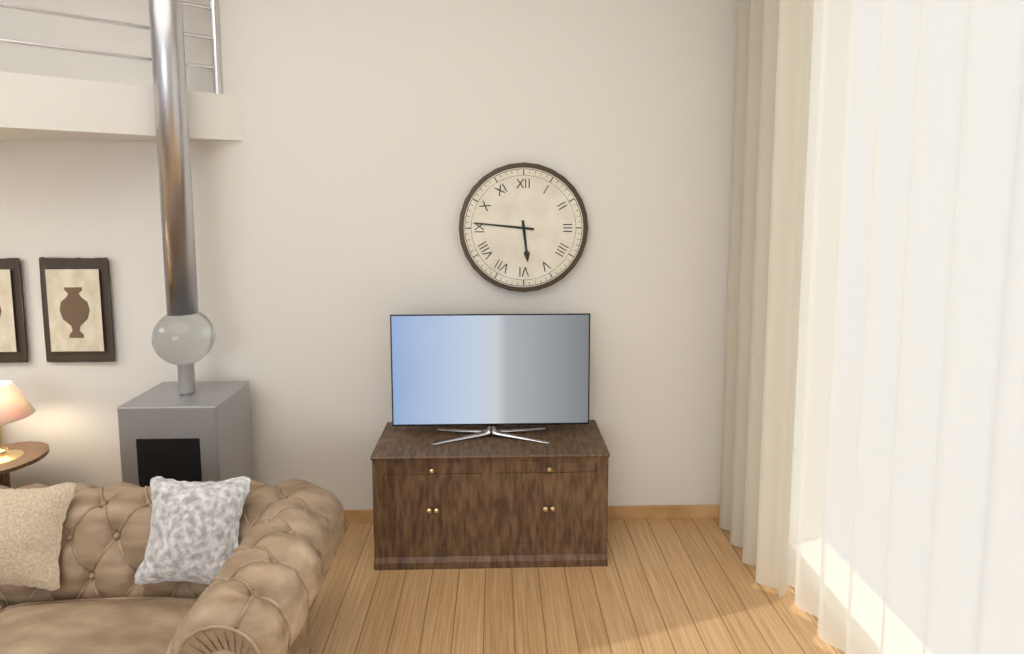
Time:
5.46
